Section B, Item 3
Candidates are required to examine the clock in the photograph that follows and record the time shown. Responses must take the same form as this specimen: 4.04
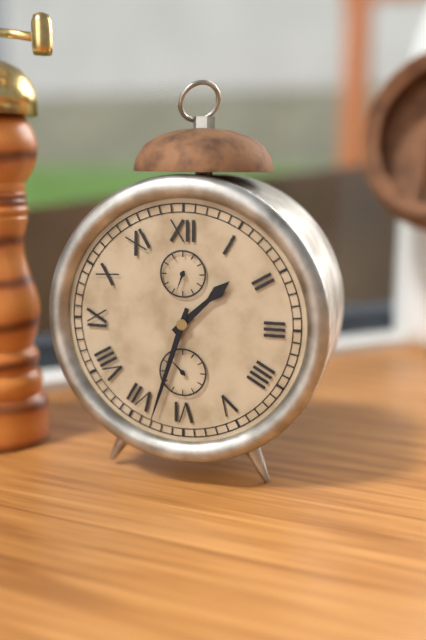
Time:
1.33
